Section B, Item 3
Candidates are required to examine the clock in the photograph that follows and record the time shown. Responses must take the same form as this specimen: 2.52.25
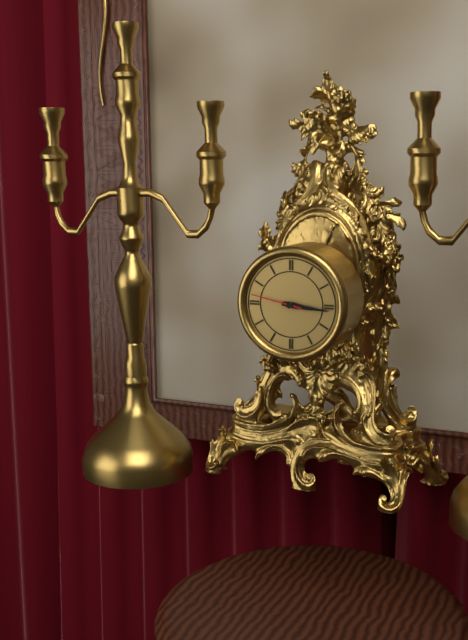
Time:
3.16.47
